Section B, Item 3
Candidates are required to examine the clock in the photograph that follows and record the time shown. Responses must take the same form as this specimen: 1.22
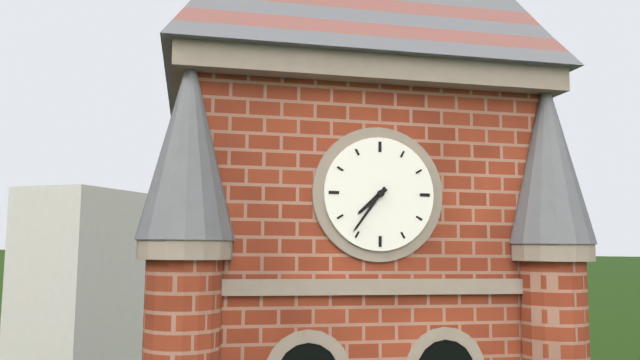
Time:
7.36
